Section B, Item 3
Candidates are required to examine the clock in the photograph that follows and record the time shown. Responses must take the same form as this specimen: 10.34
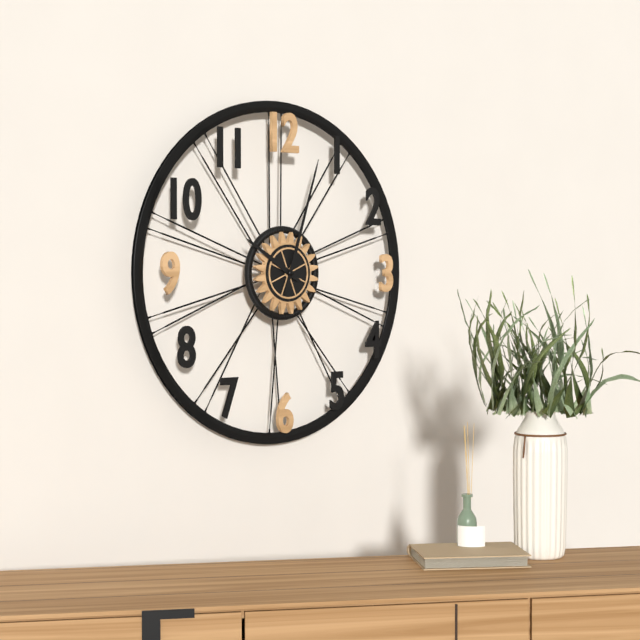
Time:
10.03
